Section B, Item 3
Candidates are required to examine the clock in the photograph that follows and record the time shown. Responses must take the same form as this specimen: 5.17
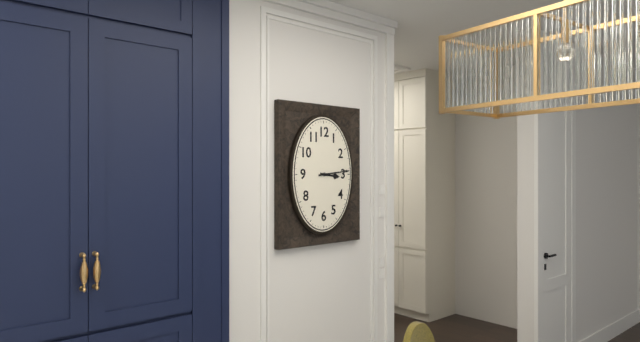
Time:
3.14
